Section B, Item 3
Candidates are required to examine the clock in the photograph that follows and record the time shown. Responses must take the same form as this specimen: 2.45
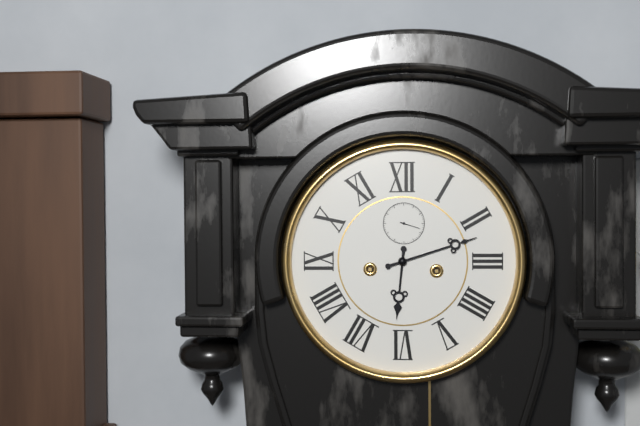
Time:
6.12
